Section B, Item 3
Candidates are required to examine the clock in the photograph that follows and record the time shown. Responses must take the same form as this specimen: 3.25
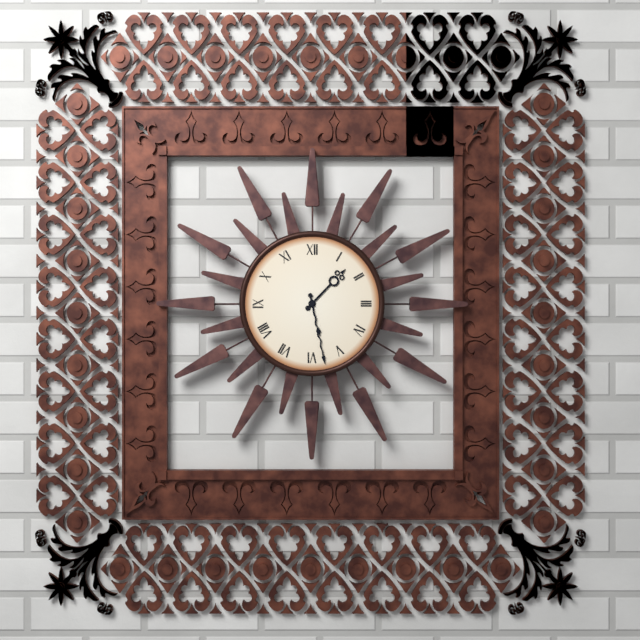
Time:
1.28
